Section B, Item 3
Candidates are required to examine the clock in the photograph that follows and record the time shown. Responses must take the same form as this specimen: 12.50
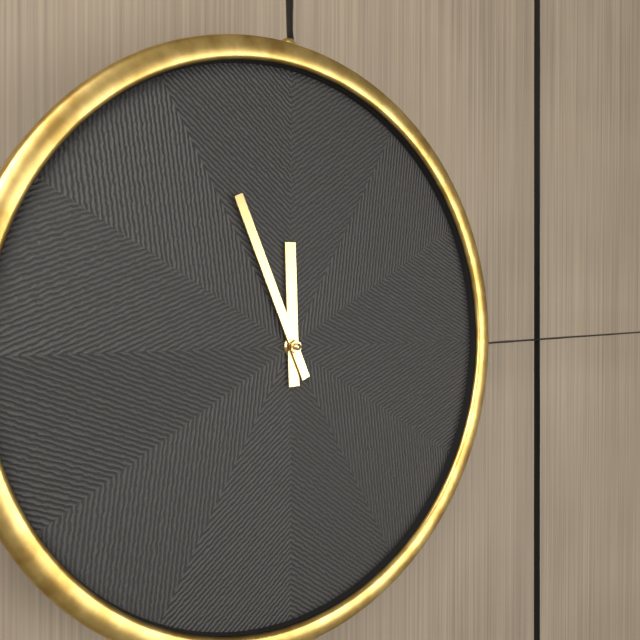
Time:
11.56
